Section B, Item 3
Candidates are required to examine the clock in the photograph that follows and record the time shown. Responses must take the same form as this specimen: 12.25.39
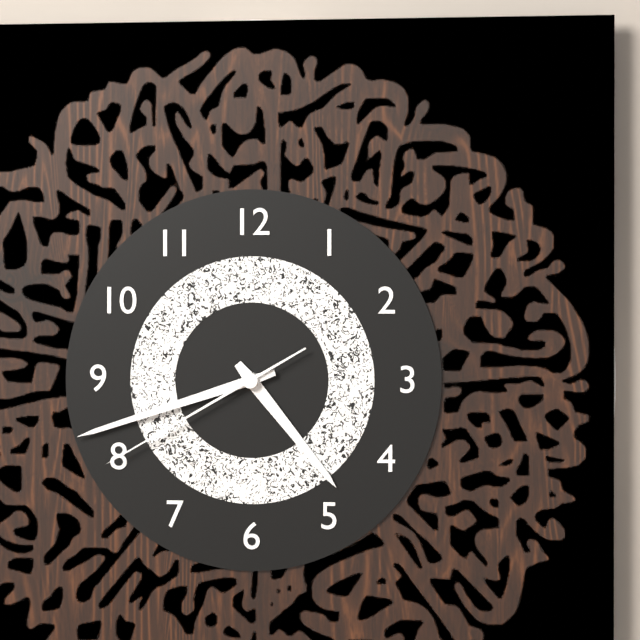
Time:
4.42.40
